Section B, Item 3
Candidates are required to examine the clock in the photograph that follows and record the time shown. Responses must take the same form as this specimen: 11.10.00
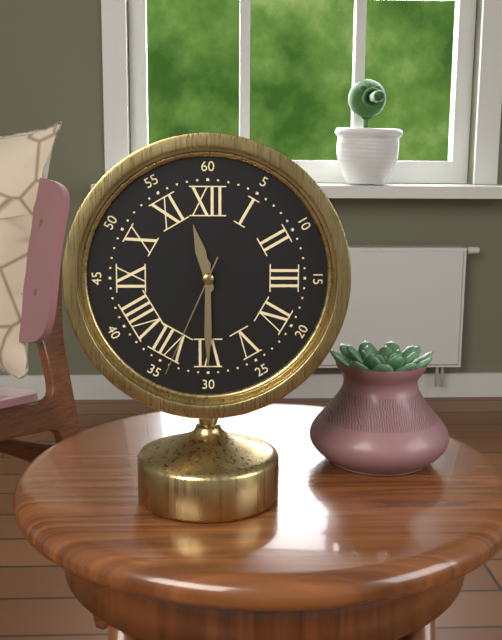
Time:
11.30.34
